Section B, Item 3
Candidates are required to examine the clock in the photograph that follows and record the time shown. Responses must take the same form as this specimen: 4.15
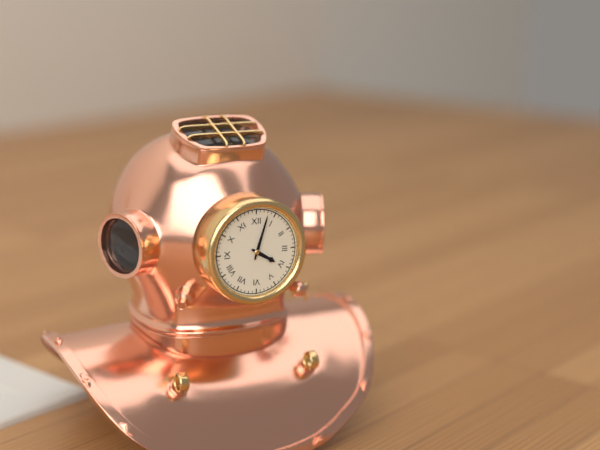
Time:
4.03
